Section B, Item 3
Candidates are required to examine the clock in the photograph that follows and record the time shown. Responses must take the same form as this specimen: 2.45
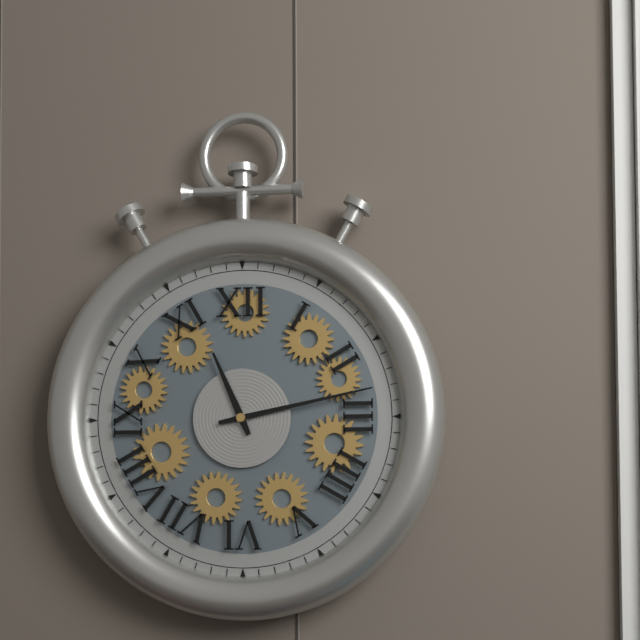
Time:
11.13
